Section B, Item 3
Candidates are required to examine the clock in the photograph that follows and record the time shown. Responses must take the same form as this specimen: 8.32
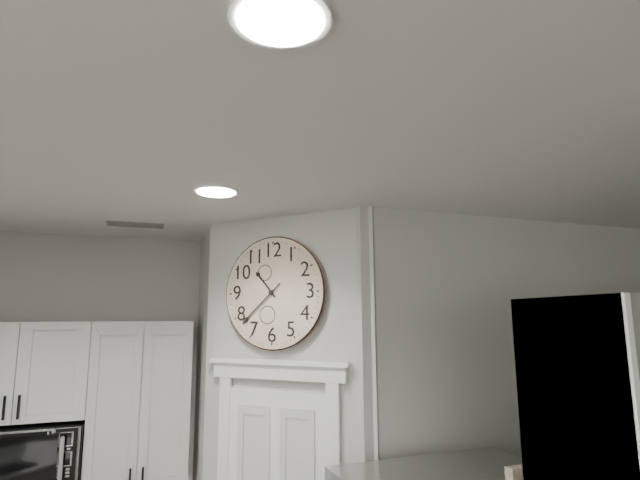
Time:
10.38
